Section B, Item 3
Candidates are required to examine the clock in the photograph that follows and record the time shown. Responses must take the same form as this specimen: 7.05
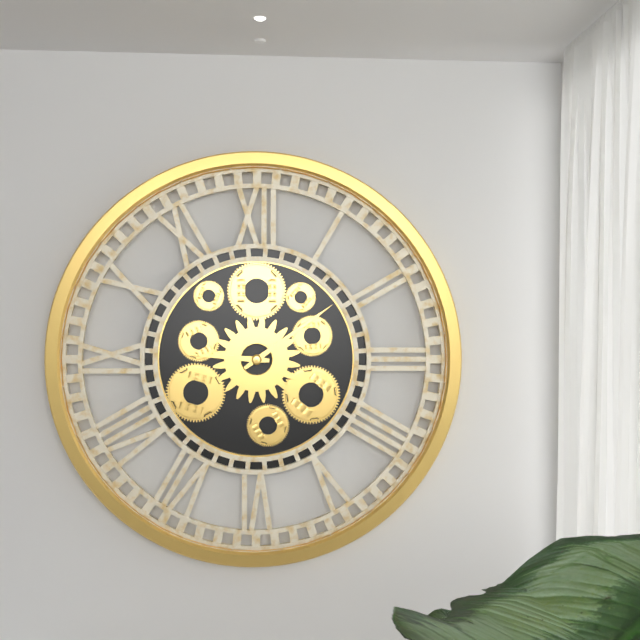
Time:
9.09
